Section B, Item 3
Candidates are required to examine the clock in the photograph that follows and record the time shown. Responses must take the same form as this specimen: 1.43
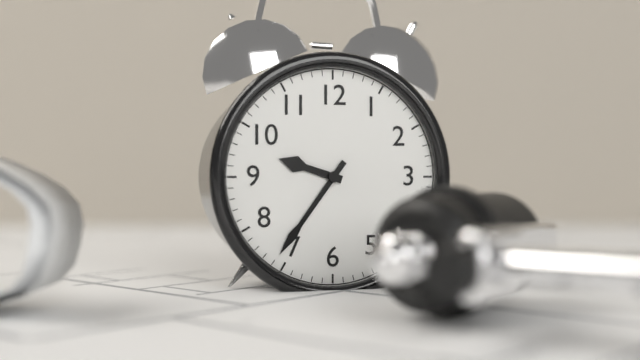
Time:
9.36
